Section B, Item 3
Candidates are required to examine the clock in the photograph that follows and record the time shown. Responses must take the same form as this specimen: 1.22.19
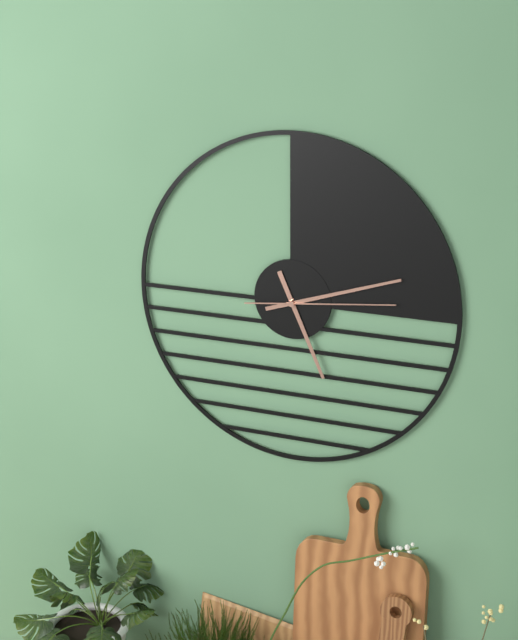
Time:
5.12.14
